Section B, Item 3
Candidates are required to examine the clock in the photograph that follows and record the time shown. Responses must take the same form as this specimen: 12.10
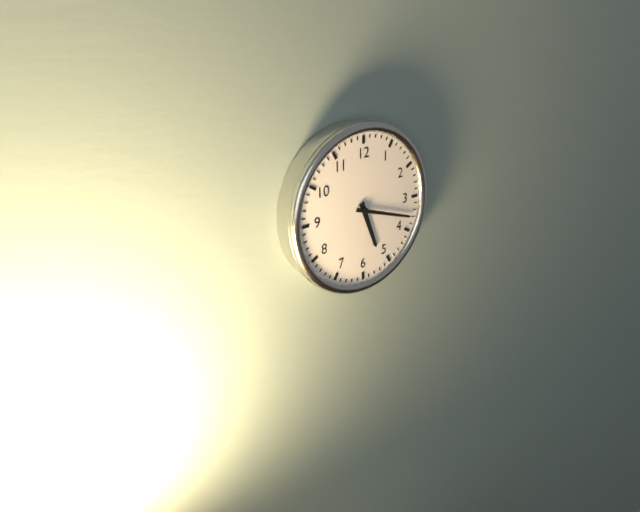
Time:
5.18
